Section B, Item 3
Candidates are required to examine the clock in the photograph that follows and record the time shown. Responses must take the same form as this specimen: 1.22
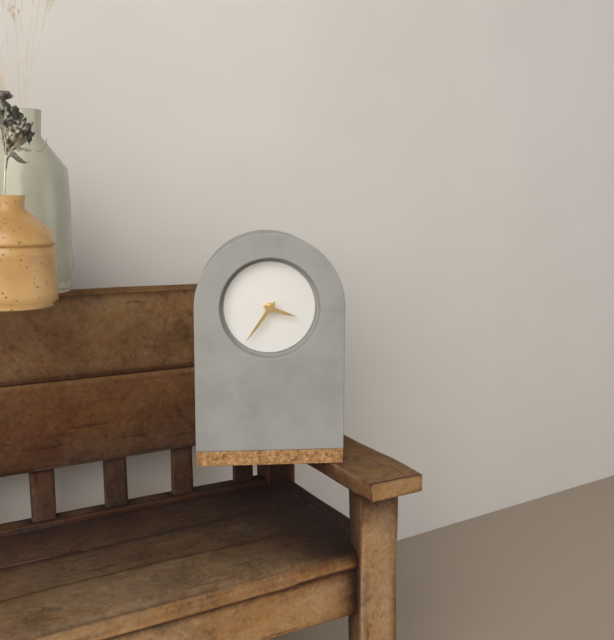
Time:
3.36
